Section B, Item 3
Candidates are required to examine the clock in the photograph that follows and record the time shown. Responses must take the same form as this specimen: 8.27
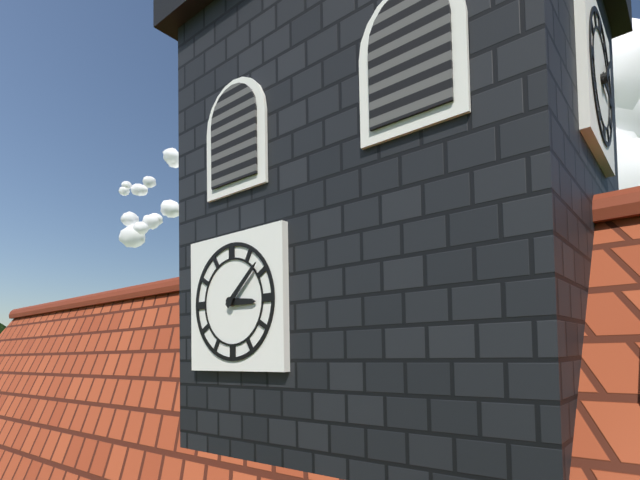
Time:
3.08
